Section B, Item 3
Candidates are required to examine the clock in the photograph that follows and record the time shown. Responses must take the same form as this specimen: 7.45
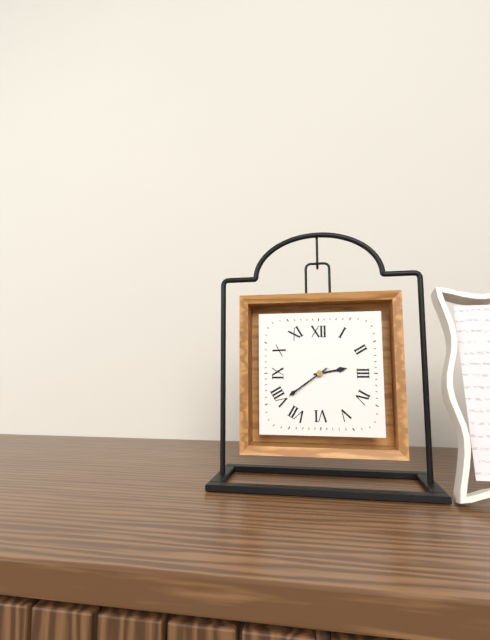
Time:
2.39
